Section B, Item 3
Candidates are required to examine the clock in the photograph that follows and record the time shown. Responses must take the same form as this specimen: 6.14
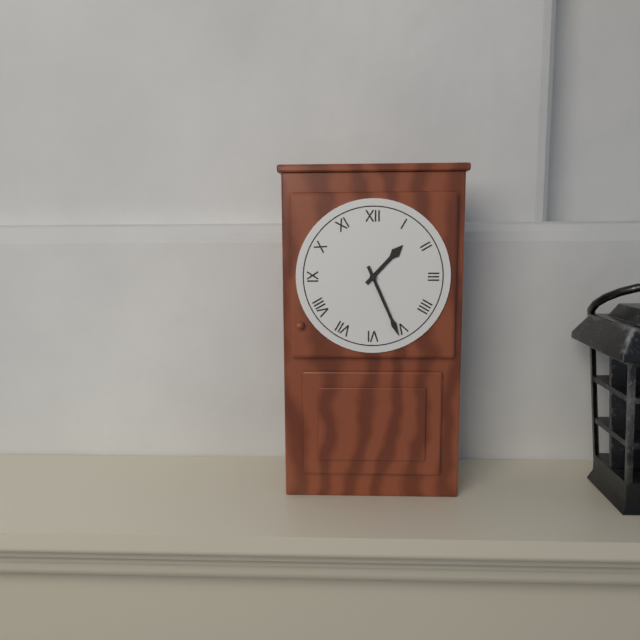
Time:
1.26
